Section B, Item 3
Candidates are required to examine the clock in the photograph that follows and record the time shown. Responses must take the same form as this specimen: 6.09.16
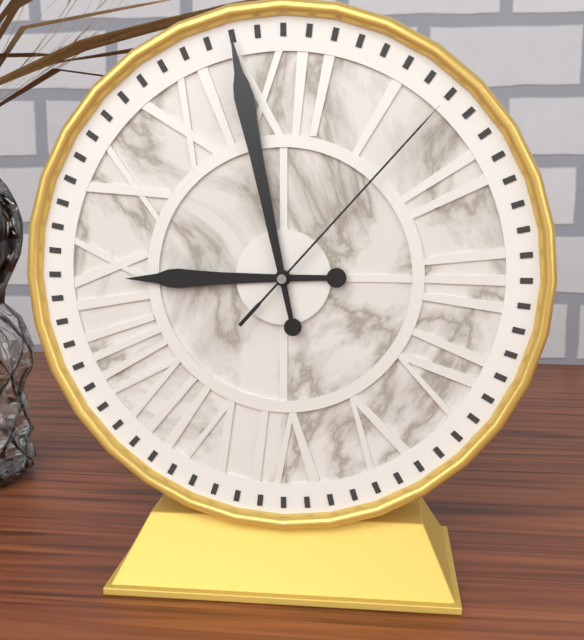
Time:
8.58.07
